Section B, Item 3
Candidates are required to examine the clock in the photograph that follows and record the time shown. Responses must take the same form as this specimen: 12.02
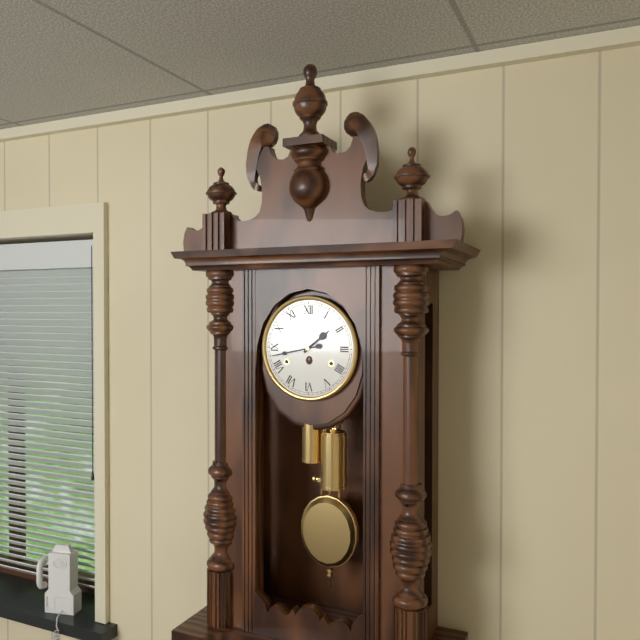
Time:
1.43
